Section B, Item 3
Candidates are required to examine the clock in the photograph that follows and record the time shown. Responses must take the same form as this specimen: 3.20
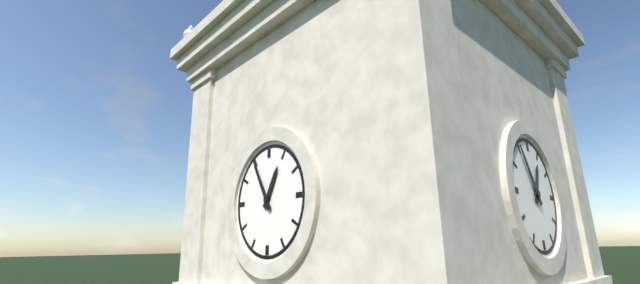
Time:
12.55
